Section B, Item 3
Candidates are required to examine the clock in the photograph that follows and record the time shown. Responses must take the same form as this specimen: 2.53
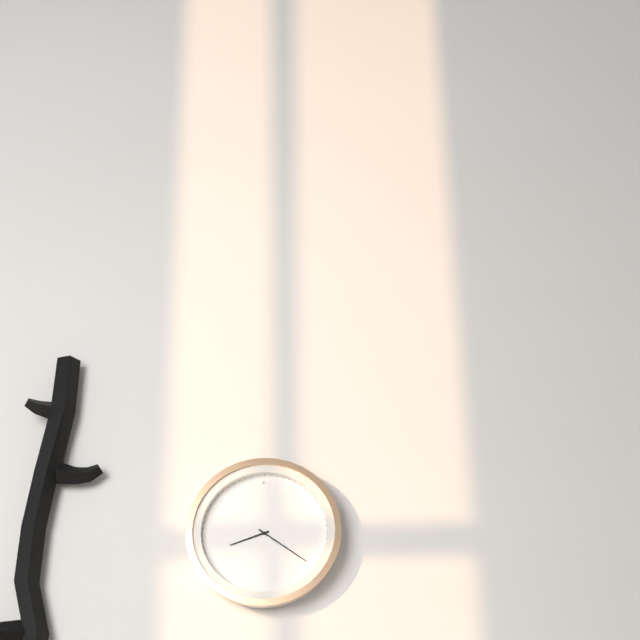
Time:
8.21
